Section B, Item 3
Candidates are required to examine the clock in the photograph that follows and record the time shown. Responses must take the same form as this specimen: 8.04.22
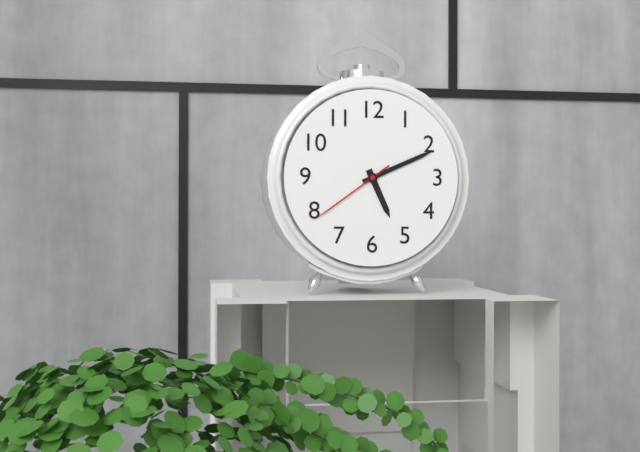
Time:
5.11.39
